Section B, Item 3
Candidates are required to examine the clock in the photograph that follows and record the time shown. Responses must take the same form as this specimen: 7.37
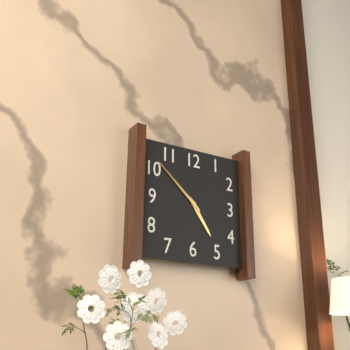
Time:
4.52
